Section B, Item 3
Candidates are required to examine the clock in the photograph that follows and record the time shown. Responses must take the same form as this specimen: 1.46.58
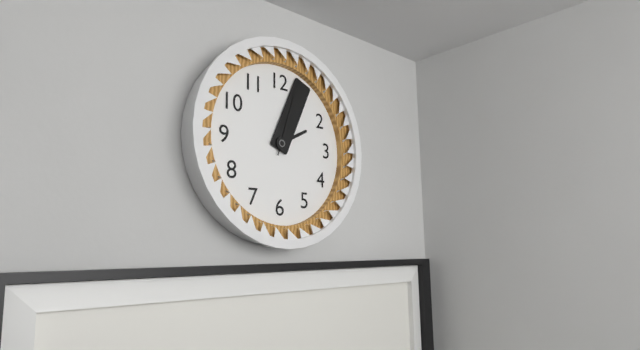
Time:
2.04.03
